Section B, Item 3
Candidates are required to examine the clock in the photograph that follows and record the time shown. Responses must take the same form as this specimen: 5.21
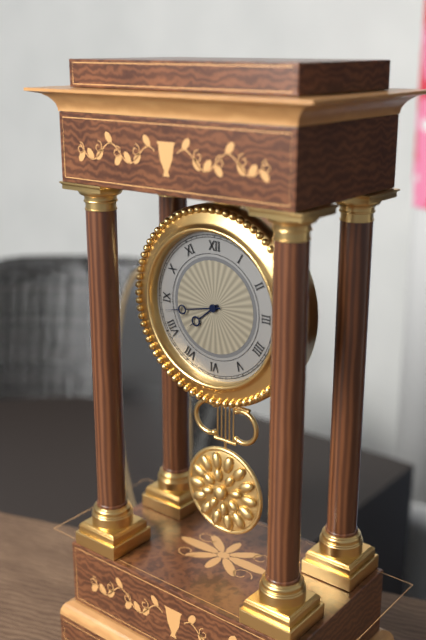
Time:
7.43
